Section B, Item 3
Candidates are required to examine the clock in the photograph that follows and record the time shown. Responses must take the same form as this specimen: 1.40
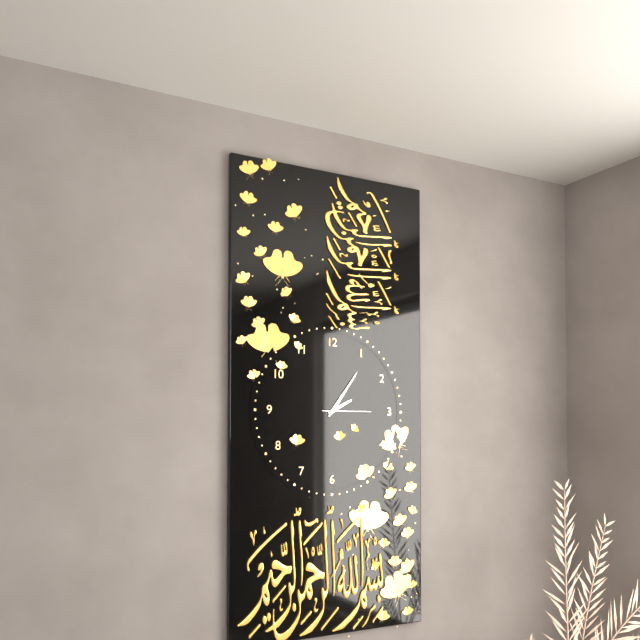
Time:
2.06
